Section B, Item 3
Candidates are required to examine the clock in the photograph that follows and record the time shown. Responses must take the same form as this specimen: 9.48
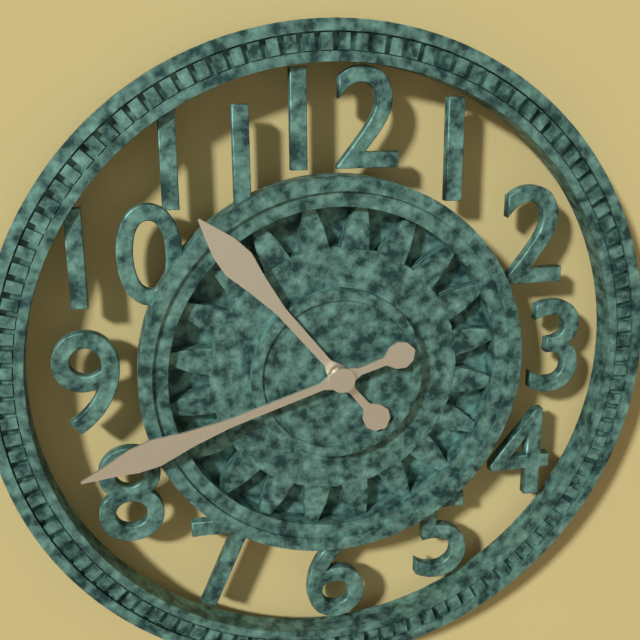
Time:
10.42
